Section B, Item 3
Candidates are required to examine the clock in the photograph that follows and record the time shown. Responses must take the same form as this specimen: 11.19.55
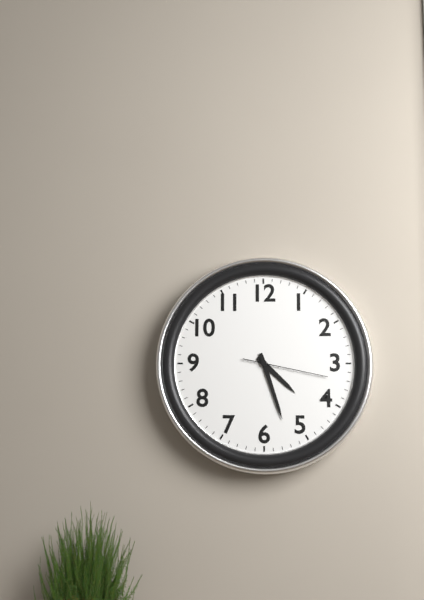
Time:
4.27.17
